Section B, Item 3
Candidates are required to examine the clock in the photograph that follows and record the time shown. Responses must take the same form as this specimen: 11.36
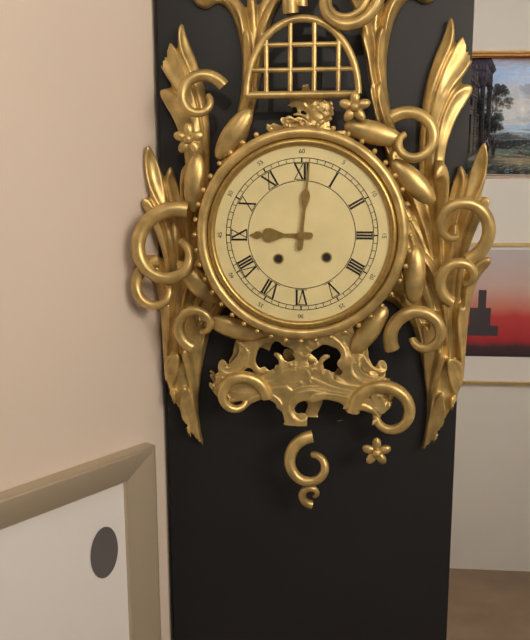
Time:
9.01
